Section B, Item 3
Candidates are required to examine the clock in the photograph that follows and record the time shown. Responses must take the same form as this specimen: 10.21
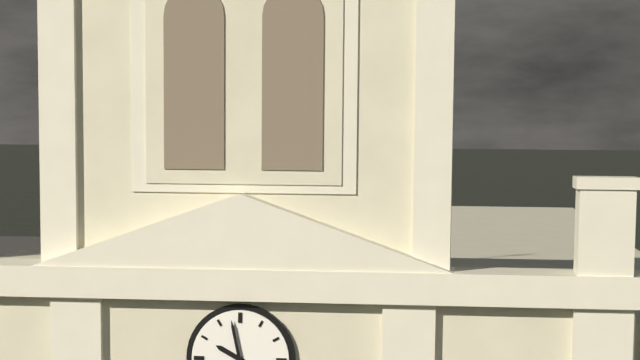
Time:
9.58
